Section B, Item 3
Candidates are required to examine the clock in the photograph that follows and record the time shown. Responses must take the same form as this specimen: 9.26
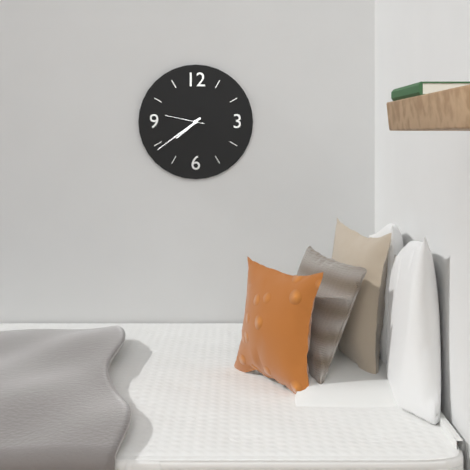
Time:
7.39
